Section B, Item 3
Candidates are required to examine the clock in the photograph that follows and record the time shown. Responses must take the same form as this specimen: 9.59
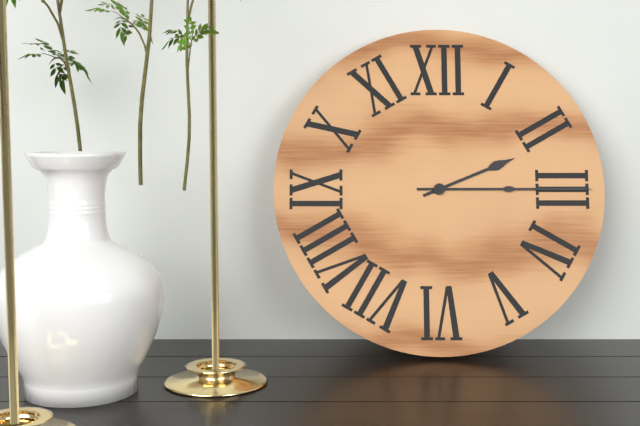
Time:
2.15
